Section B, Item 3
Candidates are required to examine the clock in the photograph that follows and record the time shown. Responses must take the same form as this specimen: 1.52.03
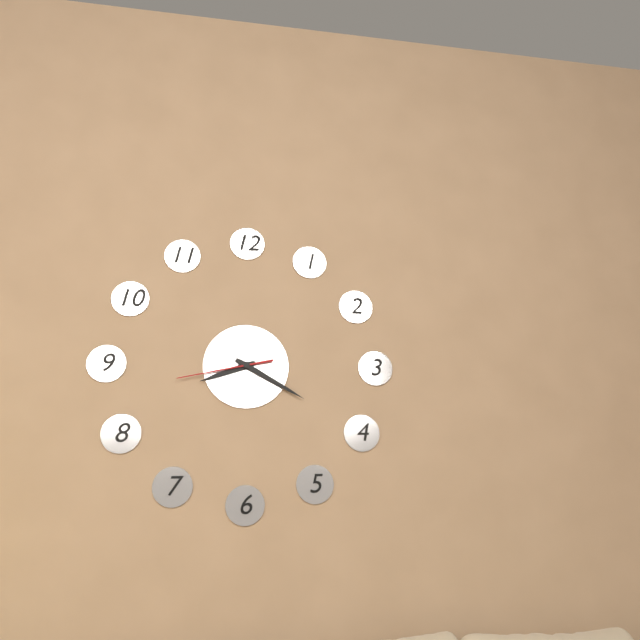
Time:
8.20.43
